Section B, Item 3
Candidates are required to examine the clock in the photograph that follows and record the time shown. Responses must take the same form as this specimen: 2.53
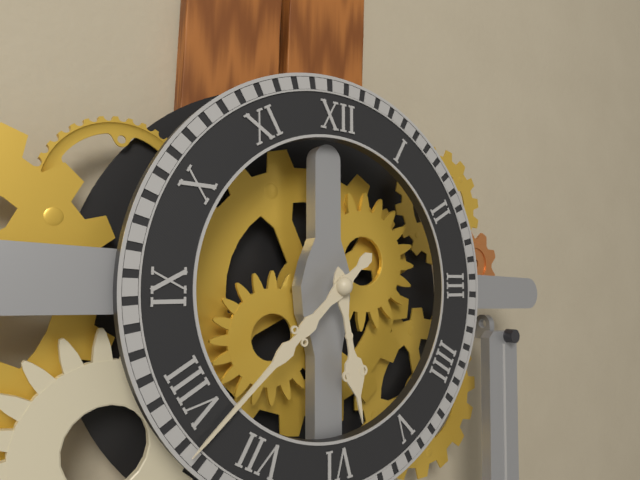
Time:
5.38
